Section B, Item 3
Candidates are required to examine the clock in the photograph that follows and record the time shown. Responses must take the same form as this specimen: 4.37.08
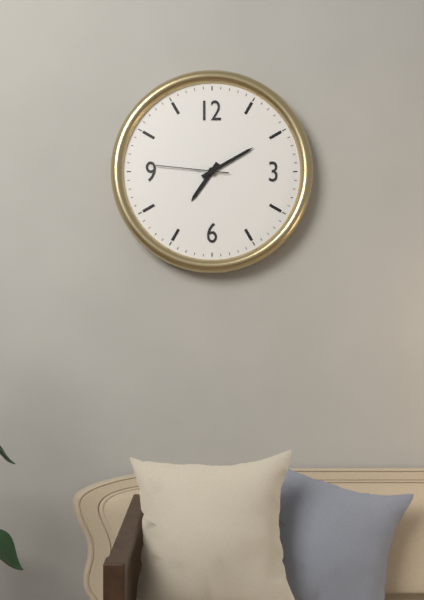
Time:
7.10.46
